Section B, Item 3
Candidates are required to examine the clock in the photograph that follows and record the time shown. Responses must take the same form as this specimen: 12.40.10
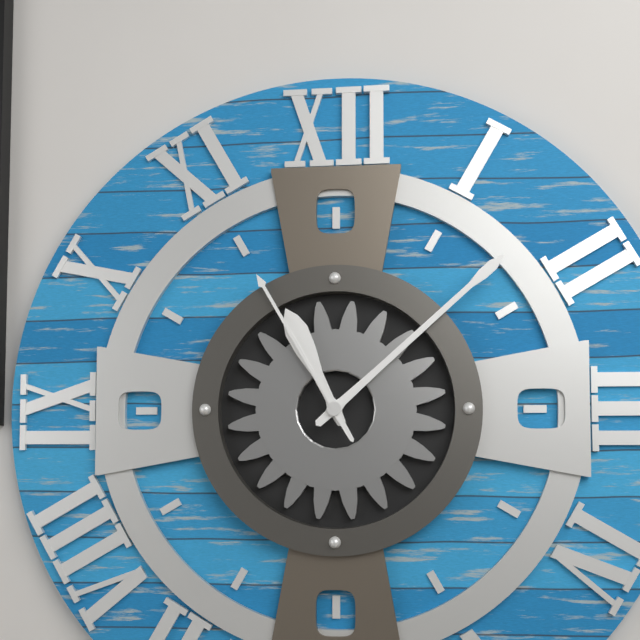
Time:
11.08.55
